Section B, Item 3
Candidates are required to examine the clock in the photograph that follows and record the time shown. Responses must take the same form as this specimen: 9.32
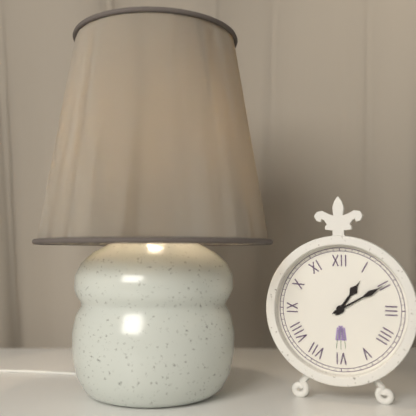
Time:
1.10
